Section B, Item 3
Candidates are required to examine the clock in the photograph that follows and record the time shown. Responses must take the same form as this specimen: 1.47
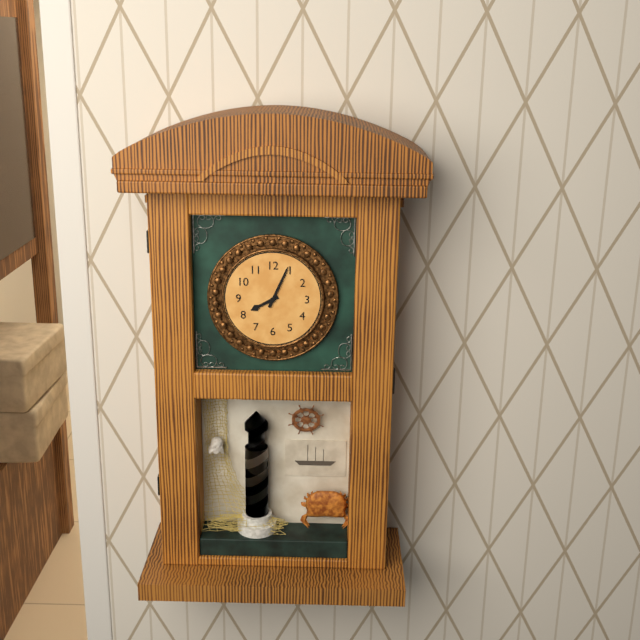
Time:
8.04
